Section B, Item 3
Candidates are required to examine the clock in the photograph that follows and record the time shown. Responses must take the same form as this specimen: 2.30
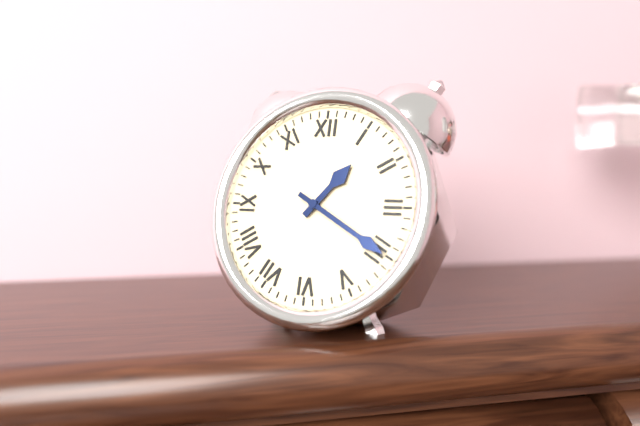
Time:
1.20
